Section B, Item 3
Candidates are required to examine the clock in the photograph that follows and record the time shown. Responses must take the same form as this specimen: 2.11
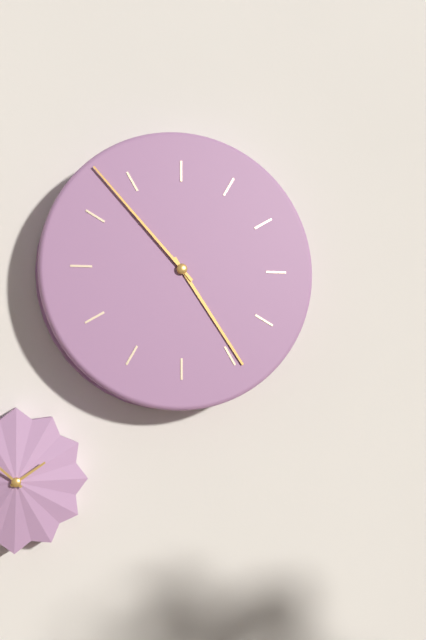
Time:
4.53
